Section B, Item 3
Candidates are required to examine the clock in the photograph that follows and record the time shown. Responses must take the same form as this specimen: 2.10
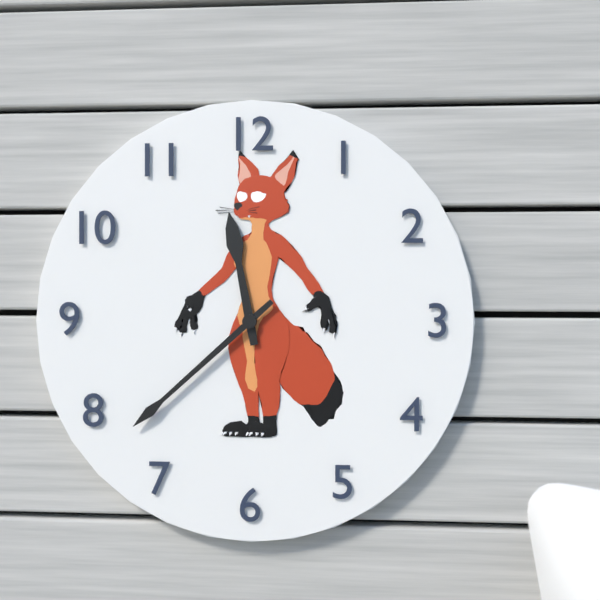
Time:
11.38
